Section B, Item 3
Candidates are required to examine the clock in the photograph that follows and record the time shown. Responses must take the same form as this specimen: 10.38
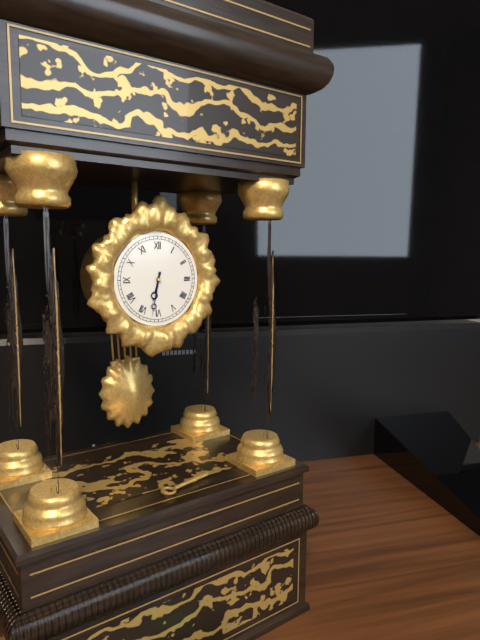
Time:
6.32
